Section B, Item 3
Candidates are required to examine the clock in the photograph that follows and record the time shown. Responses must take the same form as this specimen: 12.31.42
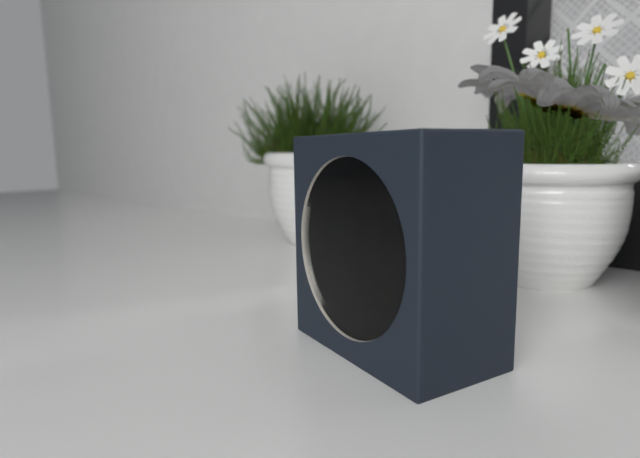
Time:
2.48.55
